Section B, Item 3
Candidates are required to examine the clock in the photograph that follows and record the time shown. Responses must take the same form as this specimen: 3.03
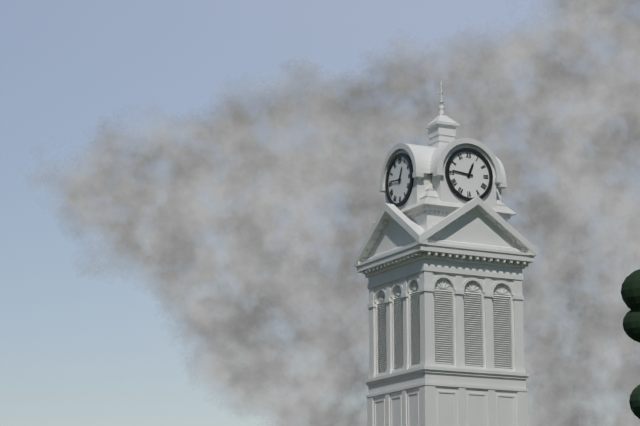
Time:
12.46
